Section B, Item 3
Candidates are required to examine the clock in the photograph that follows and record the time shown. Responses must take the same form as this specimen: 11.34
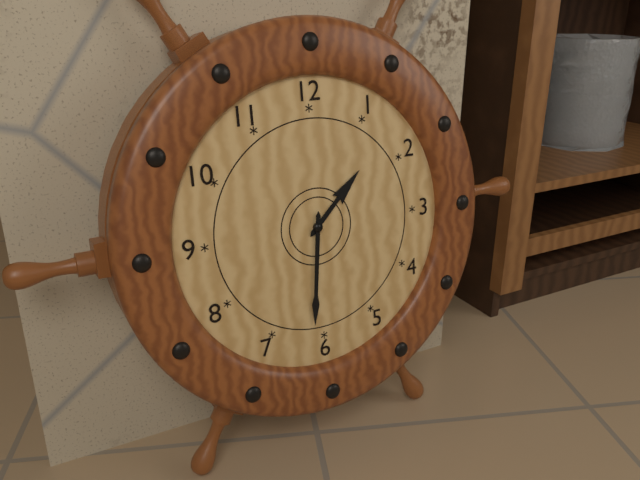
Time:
1.31
